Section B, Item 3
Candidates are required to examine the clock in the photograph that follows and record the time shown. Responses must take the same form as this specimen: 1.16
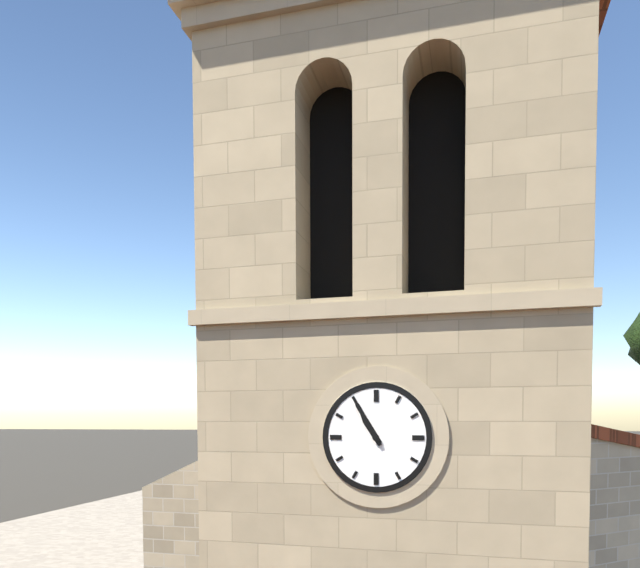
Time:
10.55
